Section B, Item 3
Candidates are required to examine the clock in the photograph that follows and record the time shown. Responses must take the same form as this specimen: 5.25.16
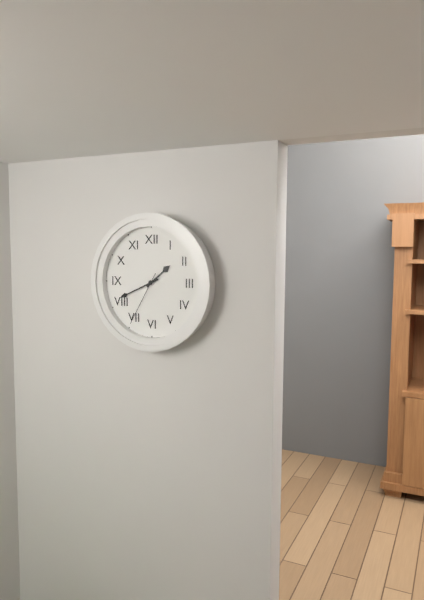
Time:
1.41.35
